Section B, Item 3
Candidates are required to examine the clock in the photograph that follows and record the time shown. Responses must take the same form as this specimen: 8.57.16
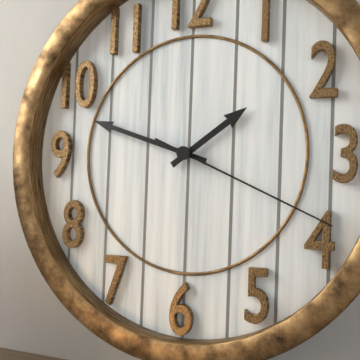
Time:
1.48.19
